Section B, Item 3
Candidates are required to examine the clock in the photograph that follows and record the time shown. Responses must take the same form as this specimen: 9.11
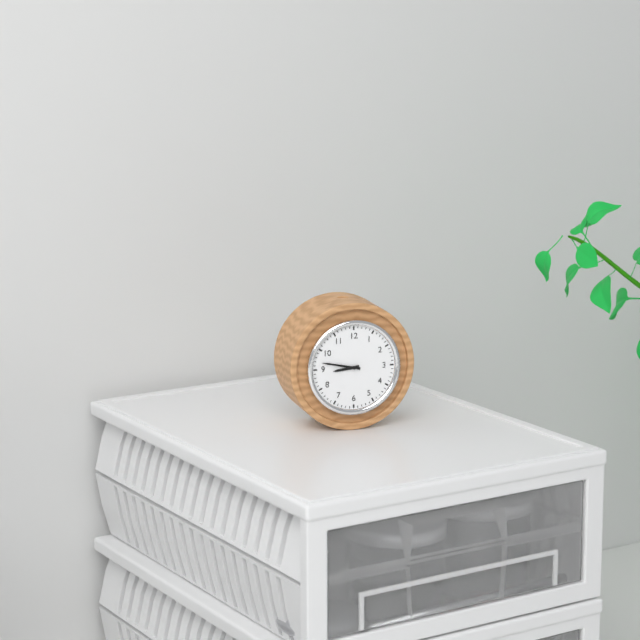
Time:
8.47
